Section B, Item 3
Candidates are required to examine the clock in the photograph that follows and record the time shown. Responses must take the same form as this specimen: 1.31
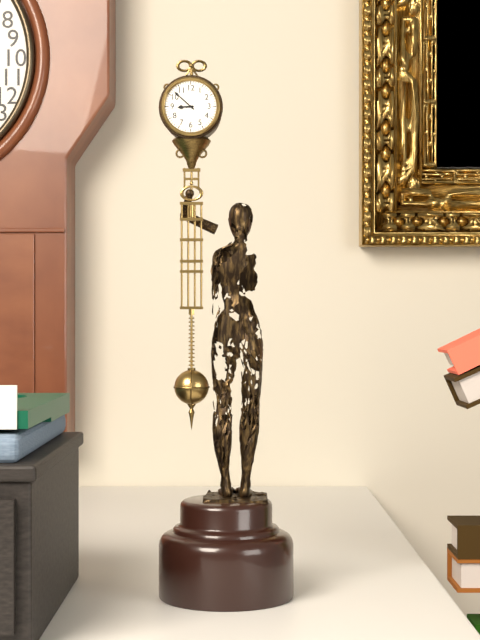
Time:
8.52
